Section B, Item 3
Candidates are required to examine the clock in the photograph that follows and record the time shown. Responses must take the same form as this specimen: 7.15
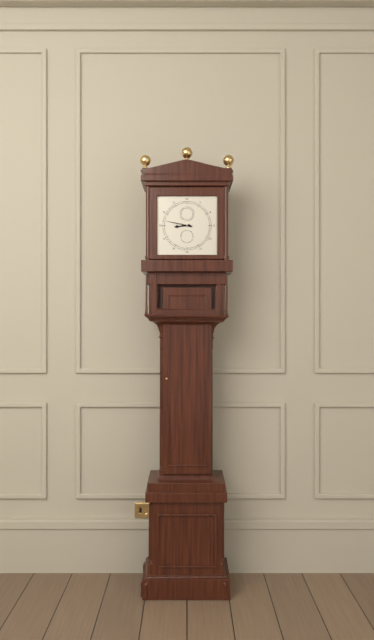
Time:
8.47
